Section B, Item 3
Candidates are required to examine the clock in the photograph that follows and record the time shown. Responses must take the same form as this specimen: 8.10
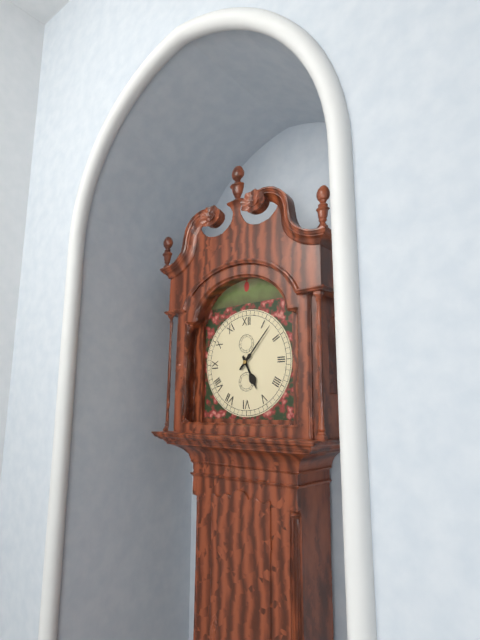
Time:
5.07
